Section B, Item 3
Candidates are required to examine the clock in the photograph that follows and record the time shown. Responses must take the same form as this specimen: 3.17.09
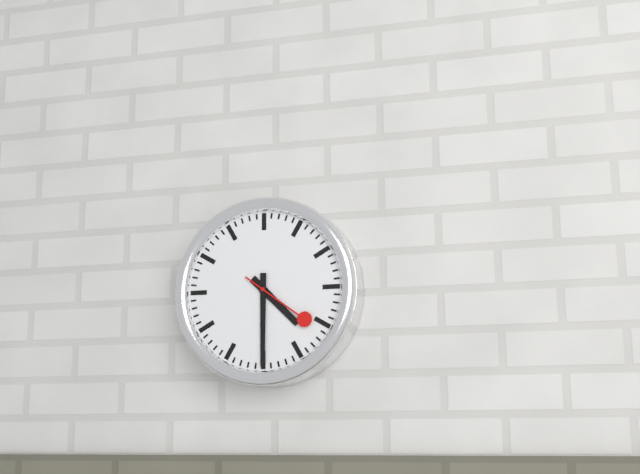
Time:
4.30.21
